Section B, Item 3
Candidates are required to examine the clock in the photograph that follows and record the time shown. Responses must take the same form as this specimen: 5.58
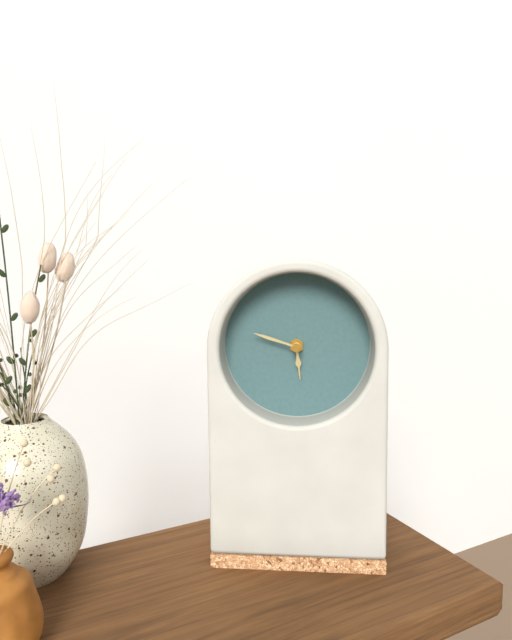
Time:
5.48
